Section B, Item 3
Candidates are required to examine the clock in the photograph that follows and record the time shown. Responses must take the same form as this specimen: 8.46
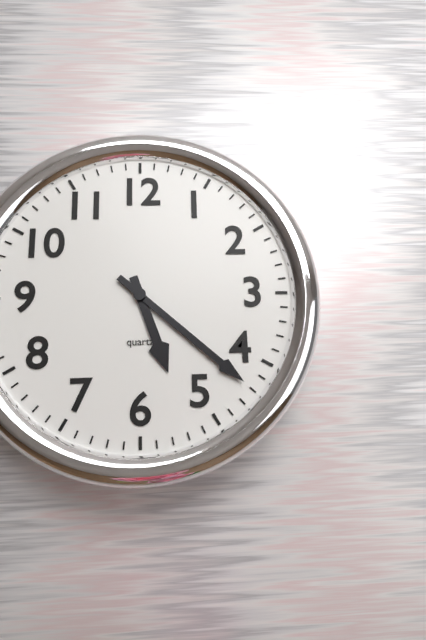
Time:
5.22
